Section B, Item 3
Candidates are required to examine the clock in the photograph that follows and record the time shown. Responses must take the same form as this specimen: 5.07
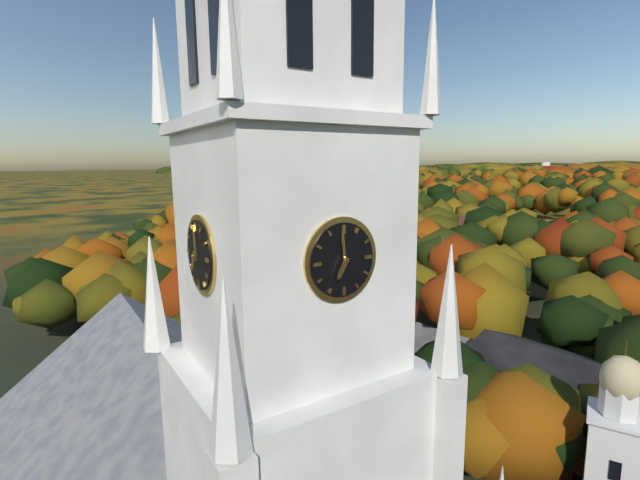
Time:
6.59
